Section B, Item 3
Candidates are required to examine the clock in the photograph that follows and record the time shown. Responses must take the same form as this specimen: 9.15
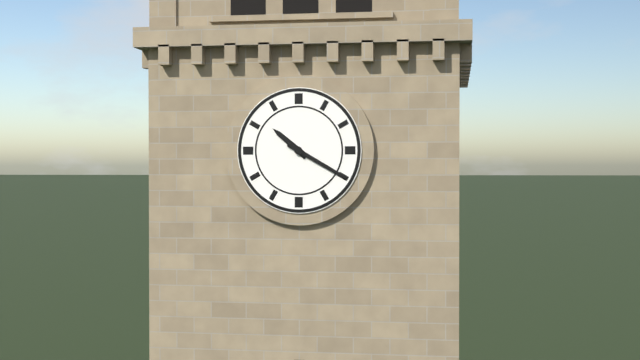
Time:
10.20
